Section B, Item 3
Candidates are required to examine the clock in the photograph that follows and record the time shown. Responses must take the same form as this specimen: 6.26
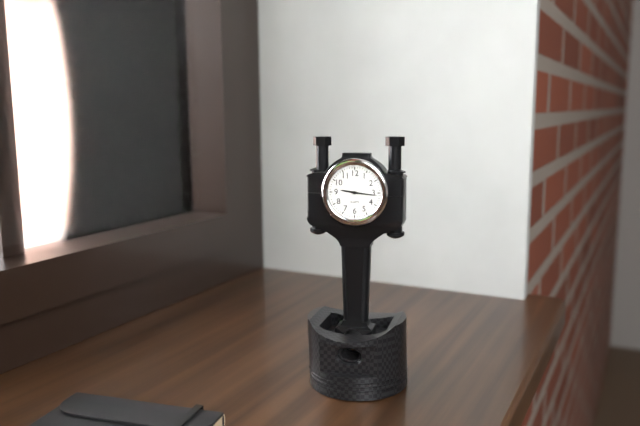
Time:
9.16
